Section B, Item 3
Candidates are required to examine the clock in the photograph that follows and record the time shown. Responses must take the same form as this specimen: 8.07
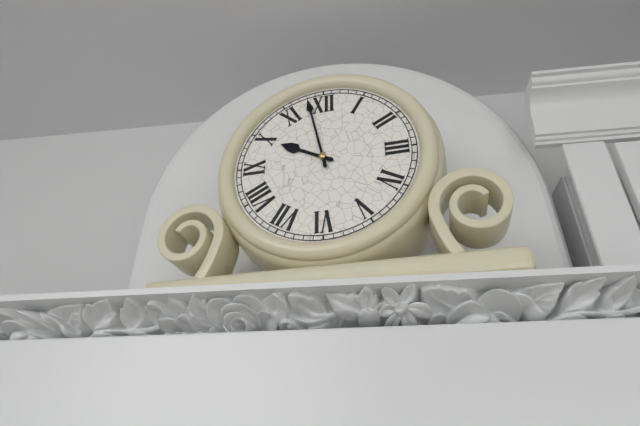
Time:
9.58
